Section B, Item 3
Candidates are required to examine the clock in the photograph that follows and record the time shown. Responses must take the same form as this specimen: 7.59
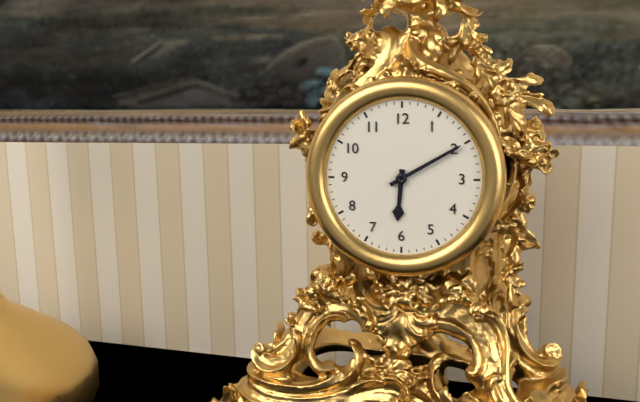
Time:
6.10
